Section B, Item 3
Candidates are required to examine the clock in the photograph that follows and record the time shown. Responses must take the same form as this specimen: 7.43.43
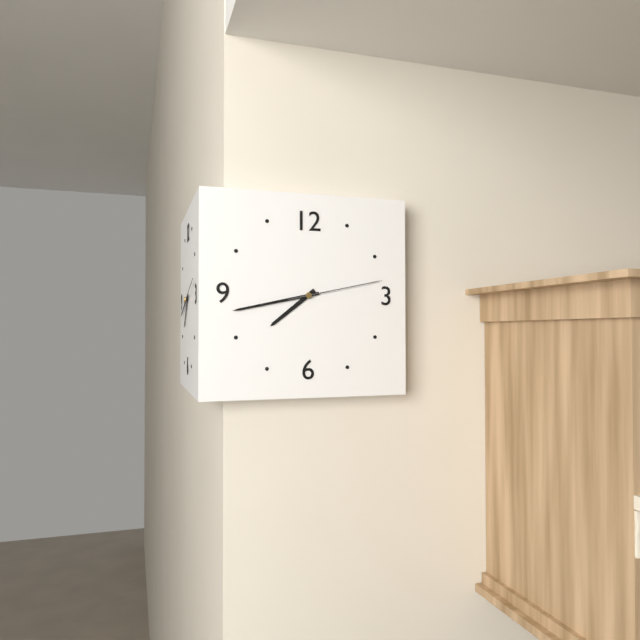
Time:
7.43.13
